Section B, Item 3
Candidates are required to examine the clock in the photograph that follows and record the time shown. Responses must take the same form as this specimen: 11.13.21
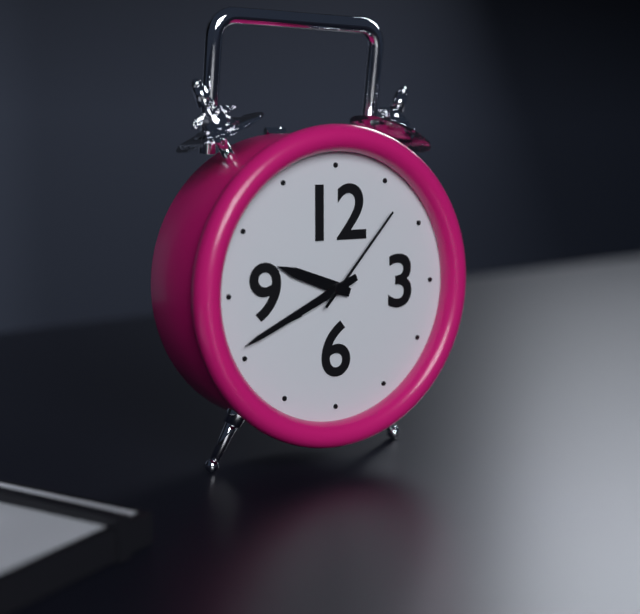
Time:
9.41.07
